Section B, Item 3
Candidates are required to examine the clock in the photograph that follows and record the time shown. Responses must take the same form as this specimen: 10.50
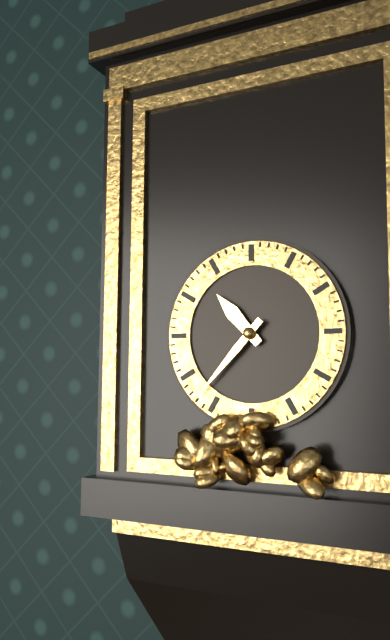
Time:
10.37
